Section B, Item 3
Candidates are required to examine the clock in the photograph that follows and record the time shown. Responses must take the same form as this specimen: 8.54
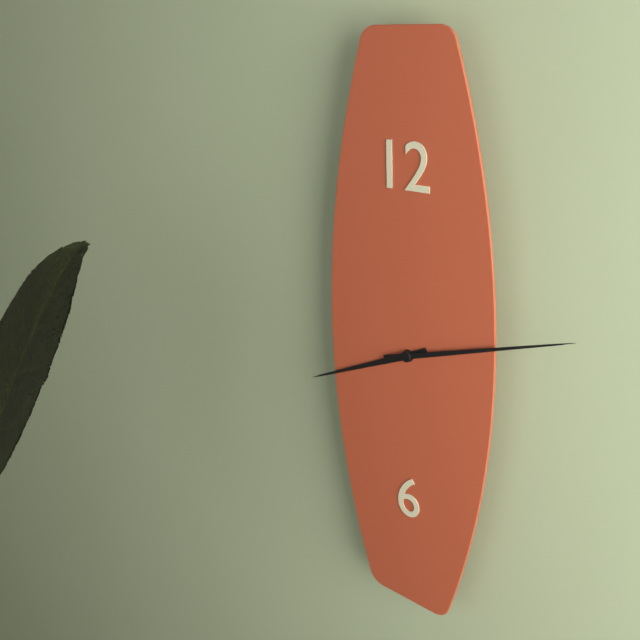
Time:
8.12
